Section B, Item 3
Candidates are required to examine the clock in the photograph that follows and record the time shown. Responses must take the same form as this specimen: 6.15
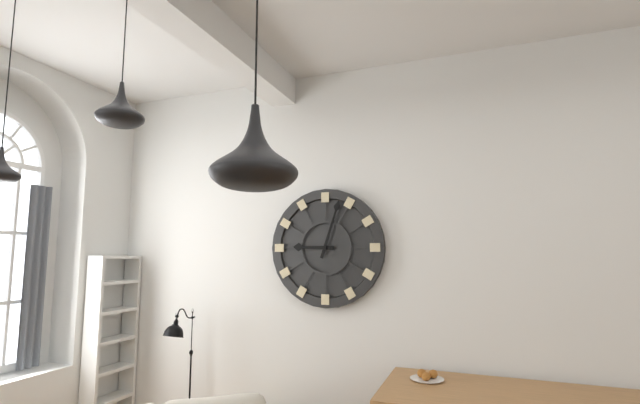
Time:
9.03
